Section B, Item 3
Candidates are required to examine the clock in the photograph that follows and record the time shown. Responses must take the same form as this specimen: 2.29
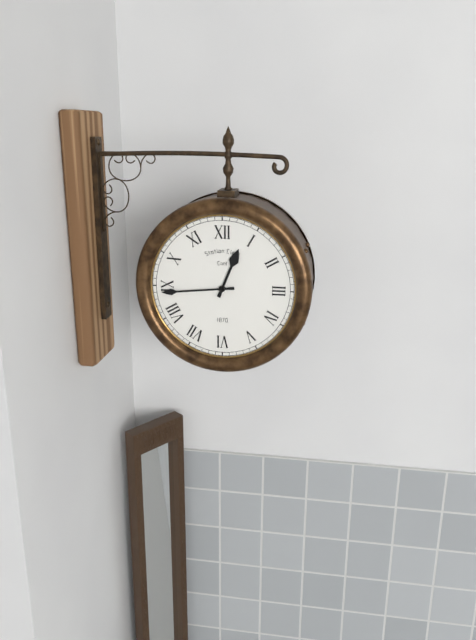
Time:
12.44
